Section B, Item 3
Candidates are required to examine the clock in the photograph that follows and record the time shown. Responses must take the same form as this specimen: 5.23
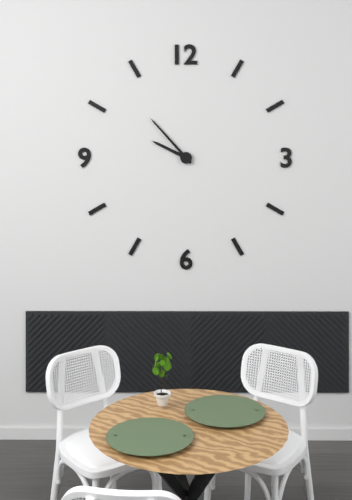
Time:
9.53
